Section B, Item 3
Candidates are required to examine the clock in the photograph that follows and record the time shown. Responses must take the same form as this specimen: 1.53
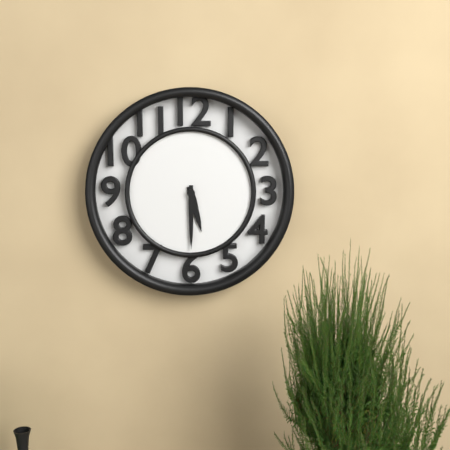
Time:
5.30
